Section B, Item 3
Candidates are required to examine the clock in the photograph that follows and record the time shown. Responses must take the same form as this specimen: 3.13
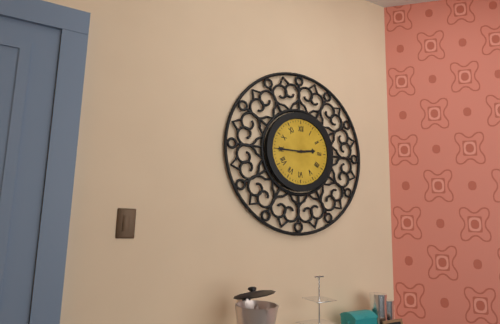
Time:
2.45
